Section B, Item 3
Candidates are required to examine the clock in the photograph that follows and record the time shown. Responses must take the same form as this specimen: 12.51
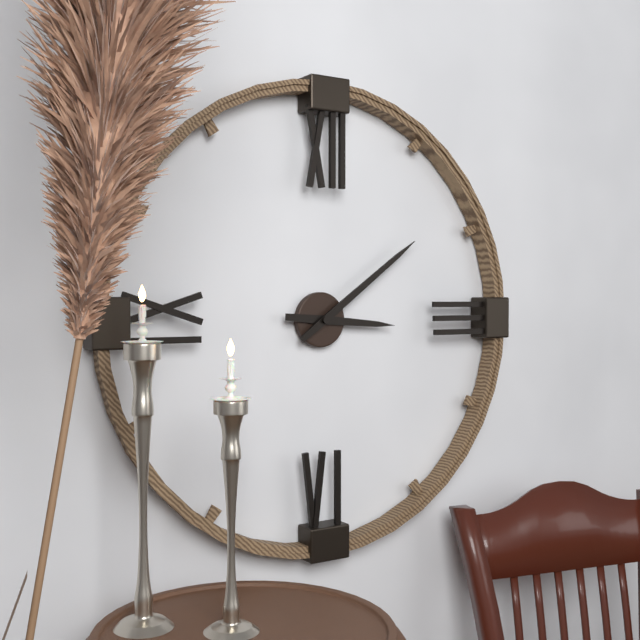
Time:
3.09
